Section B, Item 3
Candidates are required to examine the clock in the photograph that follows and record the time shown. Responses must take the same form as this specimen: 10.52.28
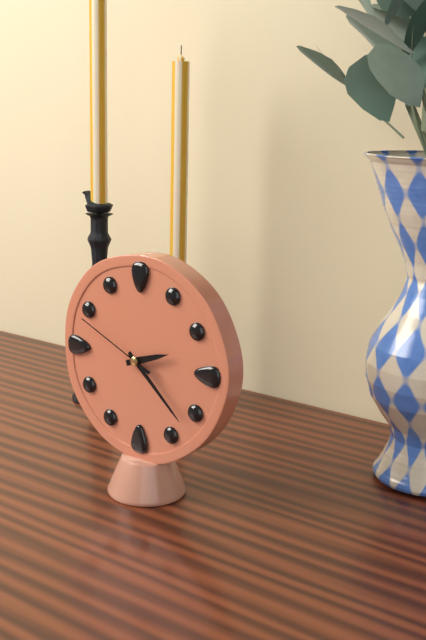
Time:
2.22.49
